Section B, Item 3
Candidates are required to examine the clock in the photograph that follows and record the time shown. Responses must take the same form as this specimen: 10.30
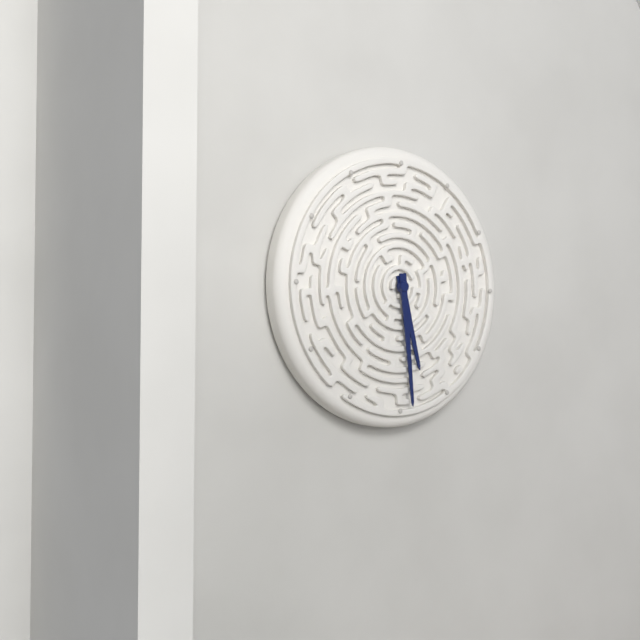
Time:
5.29
